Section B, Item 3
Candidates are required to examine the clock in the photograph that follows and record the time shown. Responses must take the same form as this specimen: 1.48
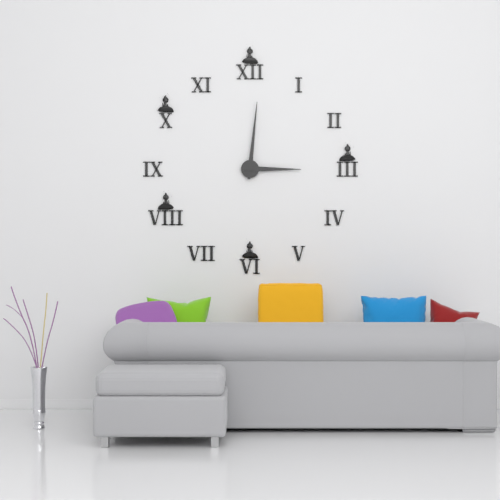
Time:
3.01
